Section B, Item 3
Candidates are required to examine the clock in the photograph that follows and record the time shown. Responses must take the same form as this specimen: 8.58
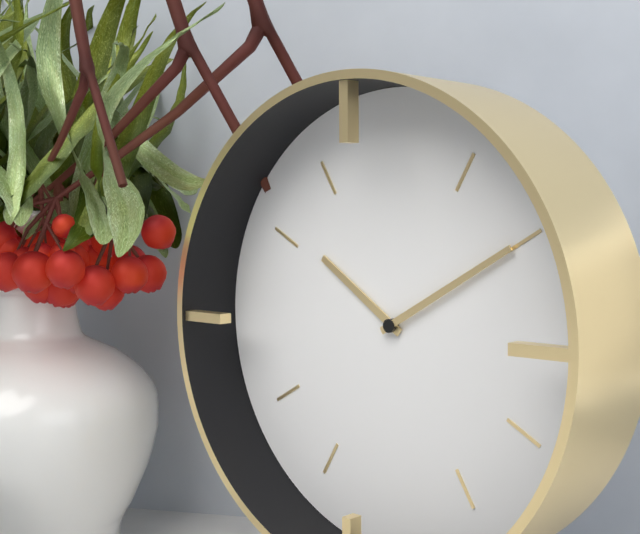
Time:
10.10
